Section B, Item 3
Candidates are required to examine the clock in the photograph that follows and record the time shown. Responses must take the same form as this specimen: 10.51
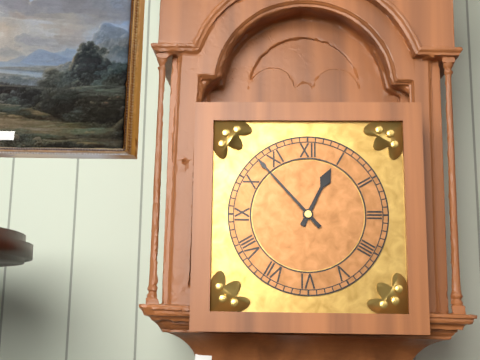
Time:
12.53
